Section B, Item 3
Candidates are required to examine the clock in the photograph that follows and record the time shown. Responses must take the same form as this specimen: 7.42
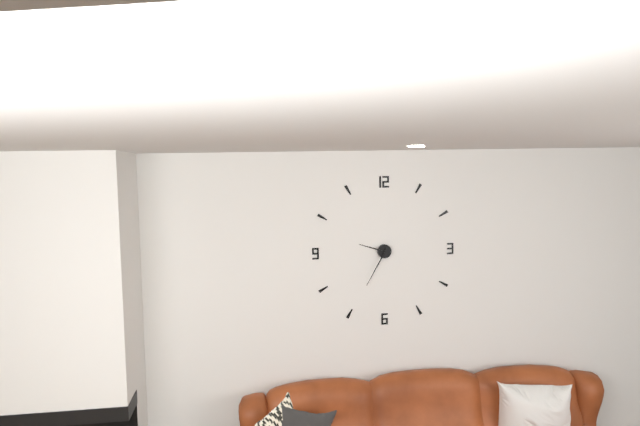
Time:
9.35
